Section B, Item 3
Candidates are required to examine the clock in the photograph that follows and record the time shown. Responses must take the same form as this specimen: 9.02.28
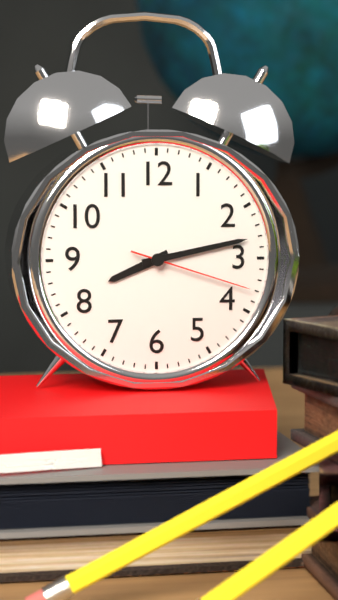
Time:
8.13.18
